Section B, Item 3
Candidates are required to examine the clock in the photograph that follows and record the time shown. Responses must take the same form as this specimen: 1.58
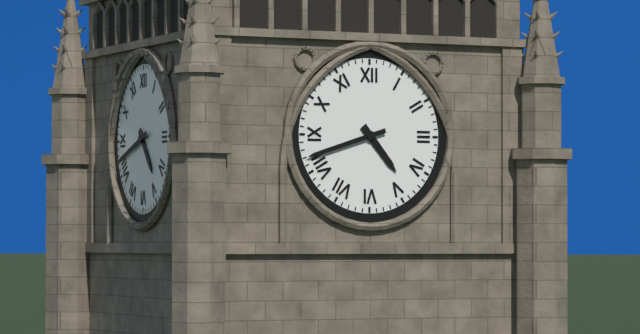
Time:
4.42
